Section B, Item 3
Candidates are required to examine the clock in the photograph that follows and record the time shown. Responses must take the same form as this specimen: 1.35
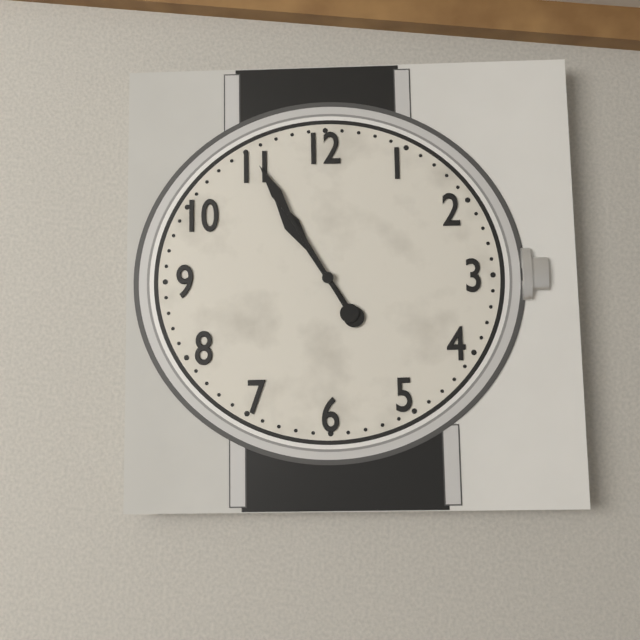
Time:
10.55
